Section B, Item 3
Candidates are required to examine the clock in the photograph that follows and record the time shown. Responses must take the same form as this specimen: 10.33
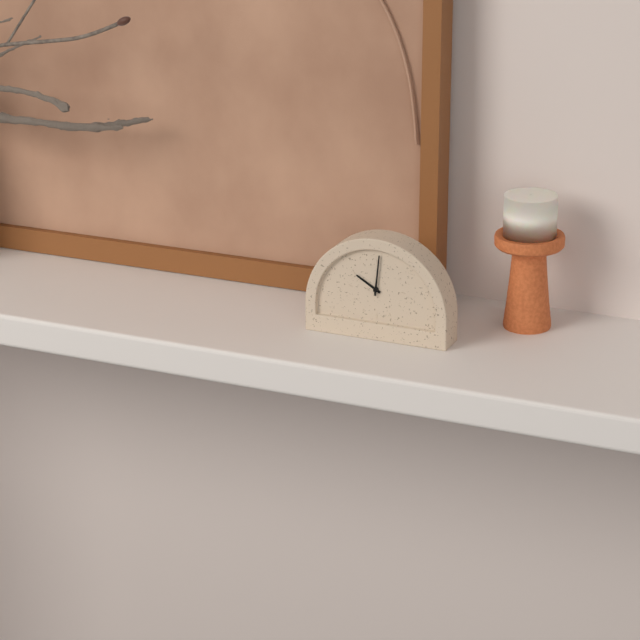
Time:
10.01
